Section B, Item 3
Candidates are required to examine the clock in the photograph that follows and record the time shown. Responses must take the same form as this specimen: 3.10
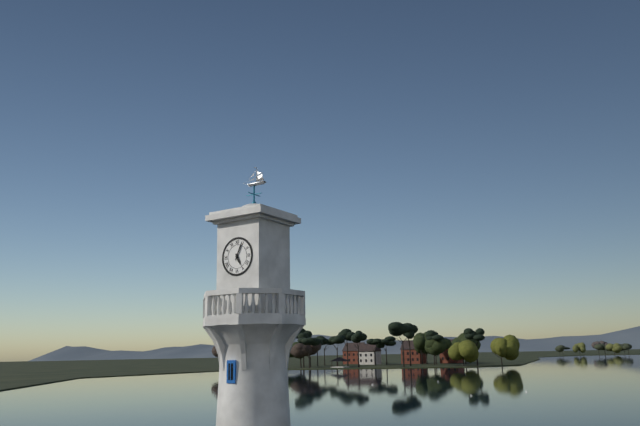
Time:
5.04
